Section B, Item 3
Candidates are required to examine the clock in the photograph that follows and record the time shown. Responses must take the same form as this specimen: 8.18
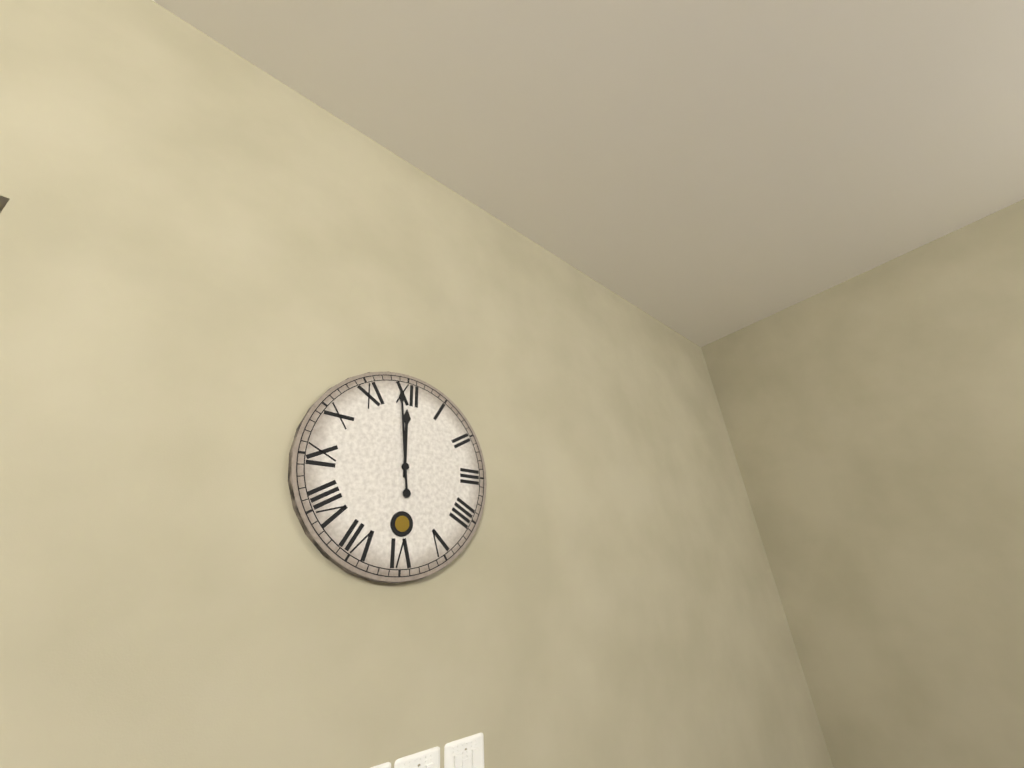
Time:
11.59
